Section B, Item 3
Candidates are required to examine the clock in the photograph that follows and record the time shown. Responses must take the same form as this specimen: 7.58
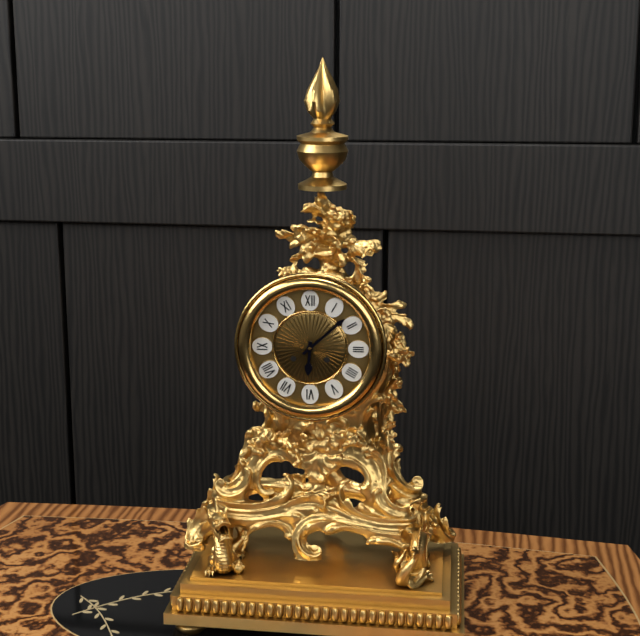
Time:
6.08
